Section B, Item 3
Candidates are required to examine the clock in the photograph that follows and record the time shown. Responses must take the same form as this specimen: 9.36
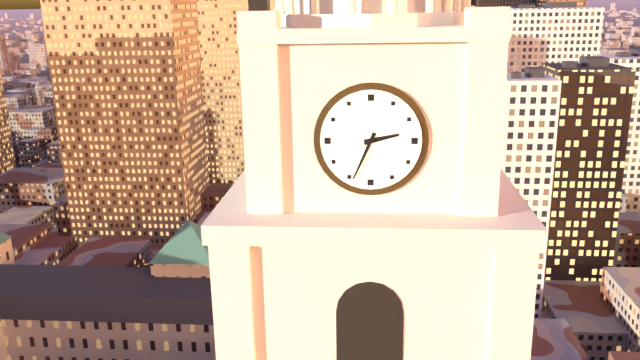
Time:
2.34
